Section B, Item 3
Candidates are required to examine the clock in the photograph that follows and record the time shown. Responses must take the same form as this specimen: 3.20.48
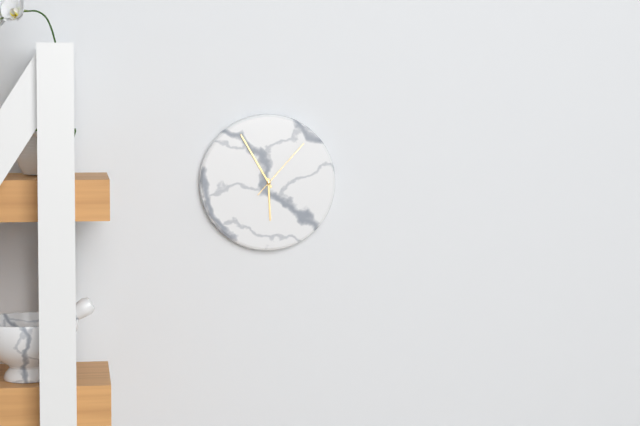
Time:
5.55.07
